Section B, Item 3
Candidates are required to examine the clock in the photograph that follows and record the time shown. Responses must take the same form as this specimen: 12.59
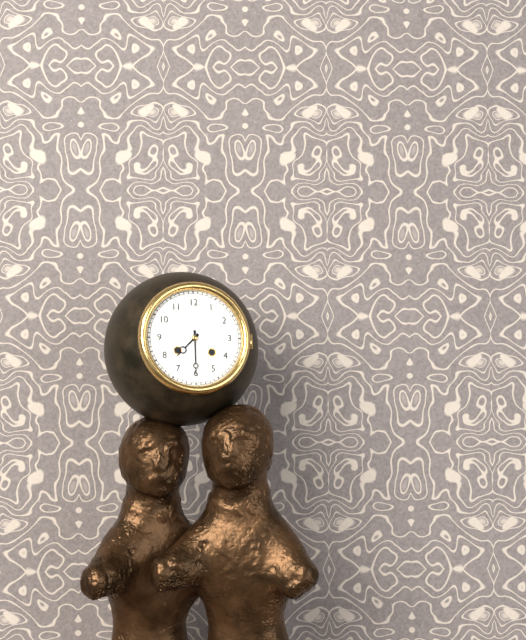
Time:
7.30
